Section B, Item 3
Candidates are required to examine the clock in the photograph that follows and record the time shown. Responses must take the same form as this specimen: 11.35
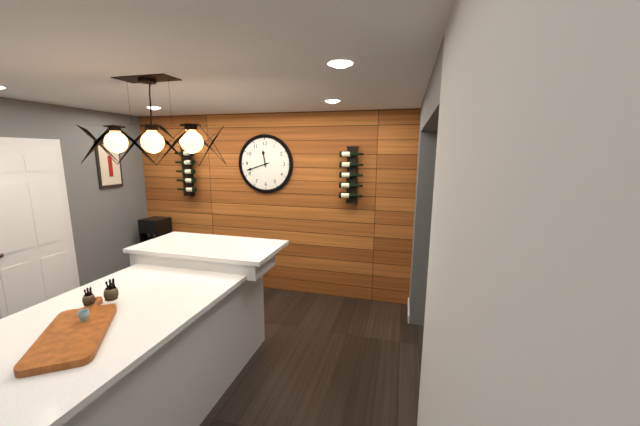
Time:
11.42
